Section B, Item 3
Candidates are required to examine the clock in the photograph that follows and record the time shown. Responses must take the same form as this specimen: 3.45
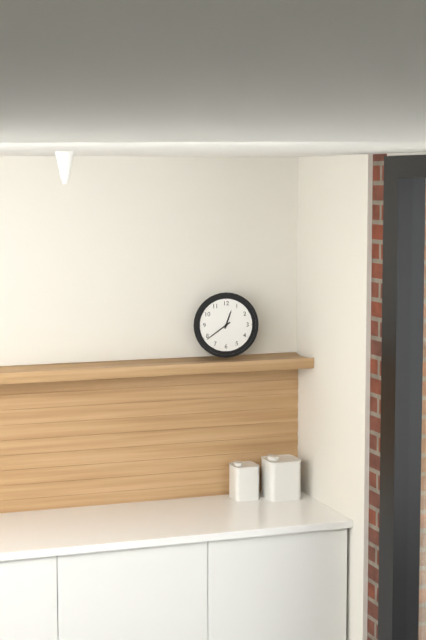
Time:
12.39
